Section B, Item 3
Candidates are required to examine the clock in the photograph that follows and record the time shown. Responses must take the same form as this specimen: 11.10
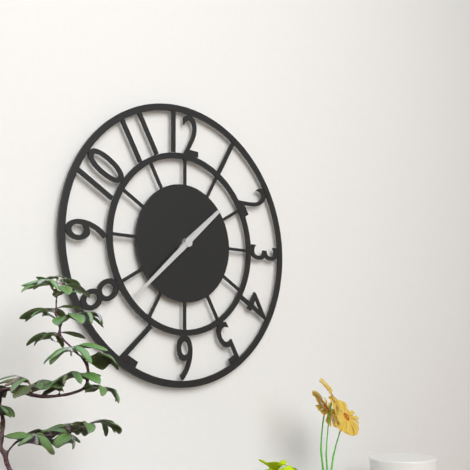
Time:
1.38
